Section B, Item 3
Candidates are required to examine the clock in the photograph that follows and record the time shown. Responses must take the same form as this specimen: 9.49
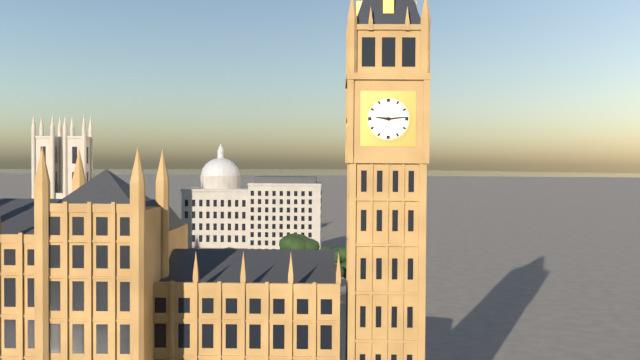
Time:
9.14
